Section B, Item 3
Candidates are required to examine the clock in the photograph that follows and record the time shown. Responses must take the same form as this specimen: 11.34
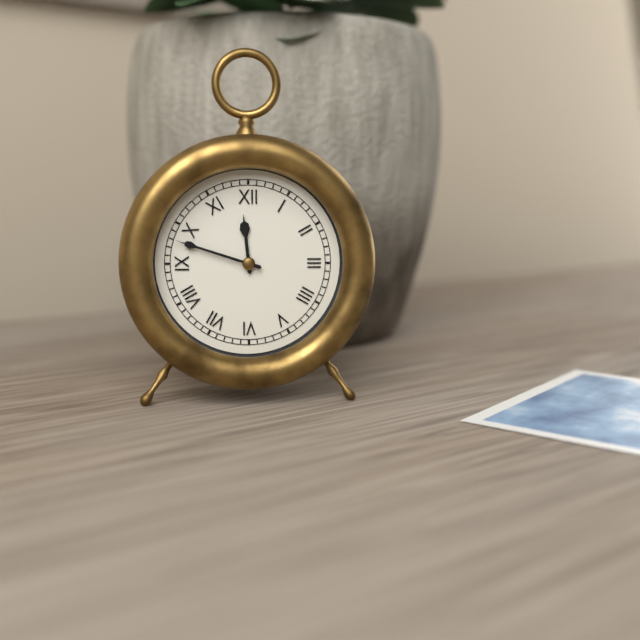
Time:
11.48
